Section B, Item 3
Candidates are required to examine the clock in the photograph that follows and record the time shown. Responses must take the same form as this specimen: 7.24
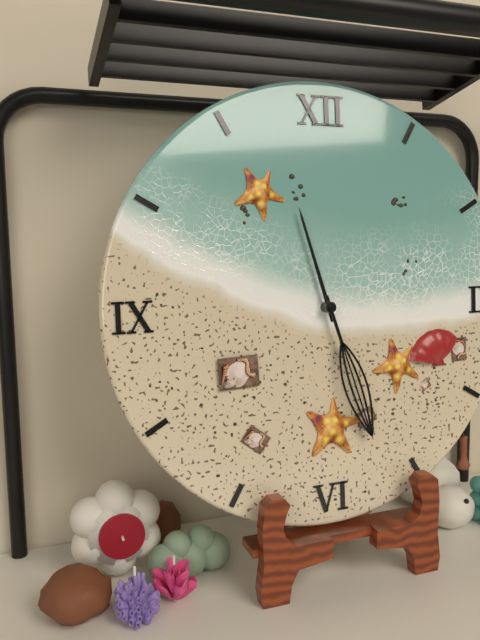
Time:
11.27
